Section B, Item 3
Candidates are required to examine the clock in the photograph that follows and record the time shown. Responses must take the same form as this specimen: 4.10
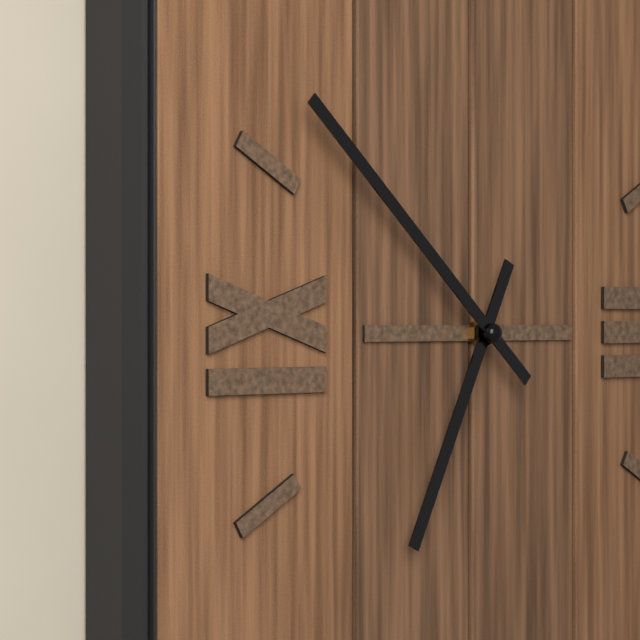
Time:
6.52
